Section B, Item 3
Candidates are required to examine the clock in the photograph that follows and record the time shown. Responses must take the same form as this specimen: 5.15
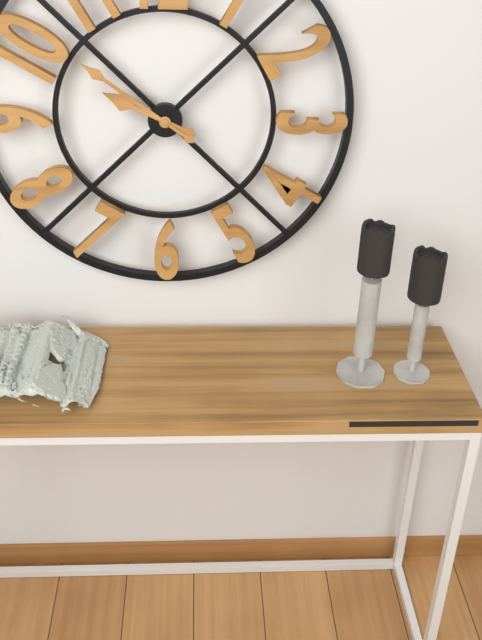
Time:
9.51
